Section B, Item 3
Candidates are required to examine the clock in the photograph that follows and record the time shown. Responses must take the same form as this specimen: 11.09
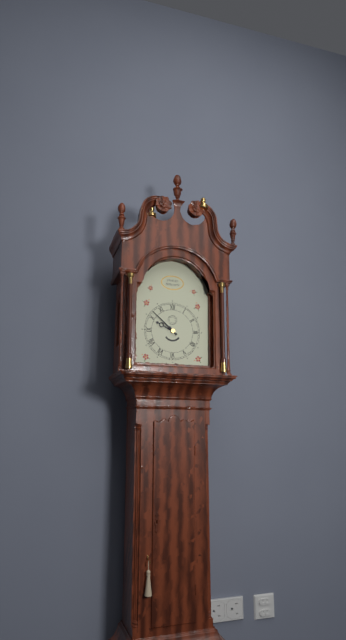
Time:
9.52
